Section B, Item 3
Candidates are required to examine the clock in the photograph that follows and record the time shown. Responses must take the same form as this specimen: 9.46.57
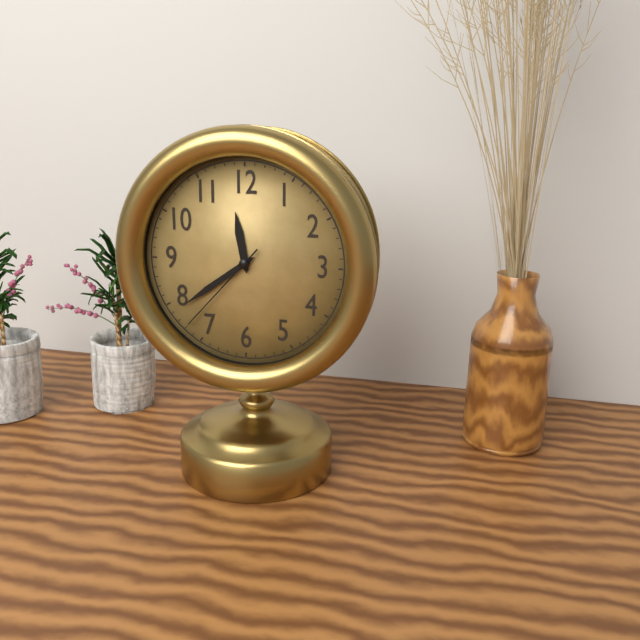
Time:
11.39.37
